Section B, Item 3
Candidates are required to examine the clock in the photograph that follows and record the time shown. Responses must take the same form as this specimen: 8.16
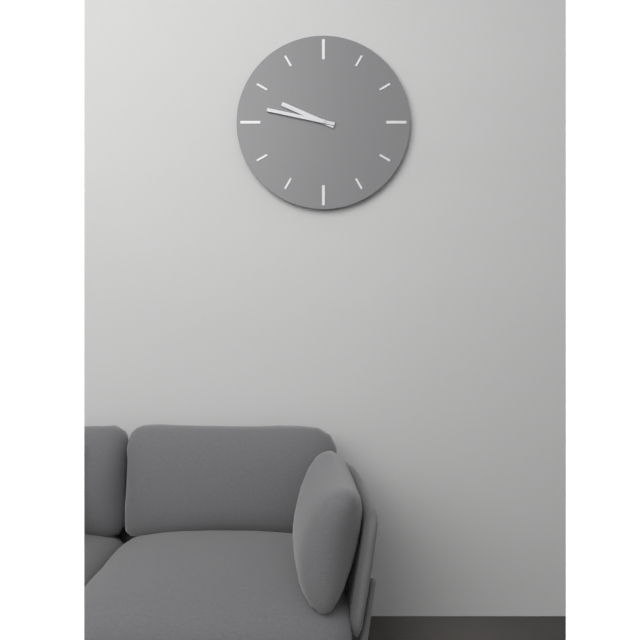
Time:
9.47
